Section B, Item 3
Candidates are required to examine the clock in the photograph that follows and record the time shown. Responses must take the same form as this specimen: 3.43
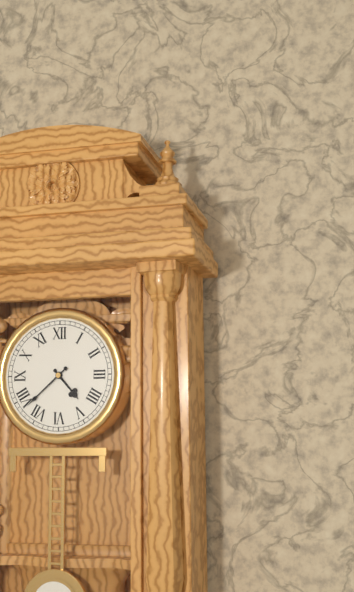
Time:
4.38
